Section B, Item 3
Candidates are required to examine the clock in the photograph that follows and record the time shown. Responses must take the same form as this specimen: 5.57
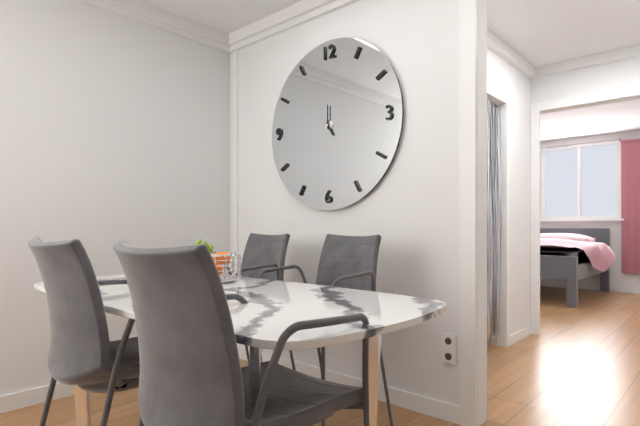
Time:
5.00
